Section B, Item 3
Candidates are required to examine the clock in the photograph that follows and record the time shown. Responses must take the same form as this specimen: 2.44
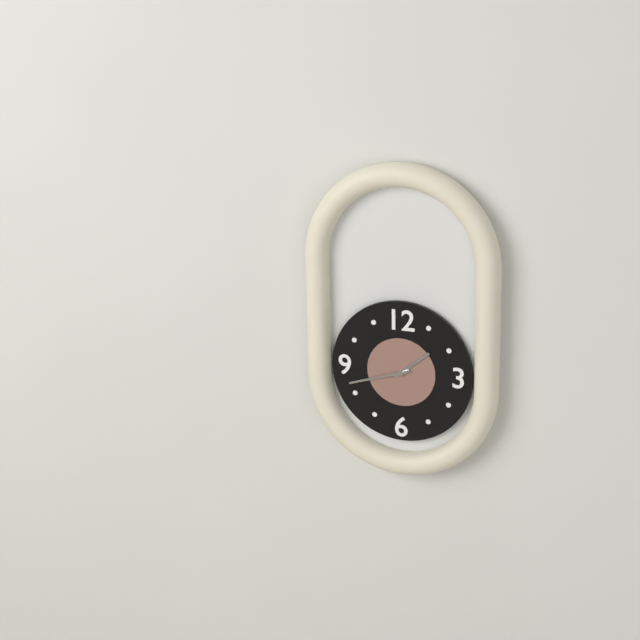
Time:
1.42
